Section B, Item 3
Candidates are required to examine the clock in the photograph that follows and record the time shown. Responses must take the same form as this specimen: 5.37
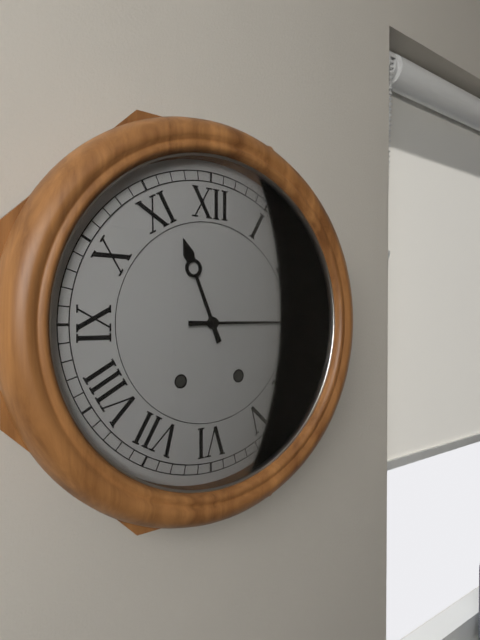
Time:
11.15
